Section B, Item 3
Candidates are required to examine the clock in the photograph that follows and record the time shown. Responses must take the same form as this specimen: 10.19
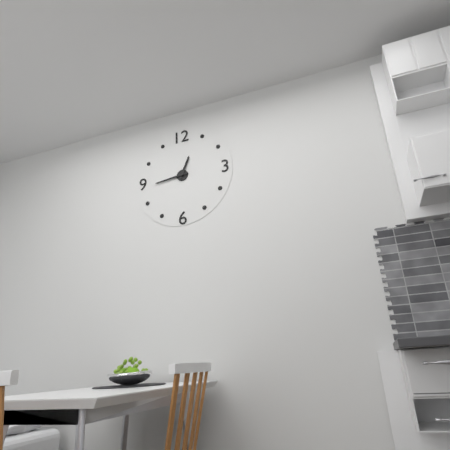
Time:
12.44
